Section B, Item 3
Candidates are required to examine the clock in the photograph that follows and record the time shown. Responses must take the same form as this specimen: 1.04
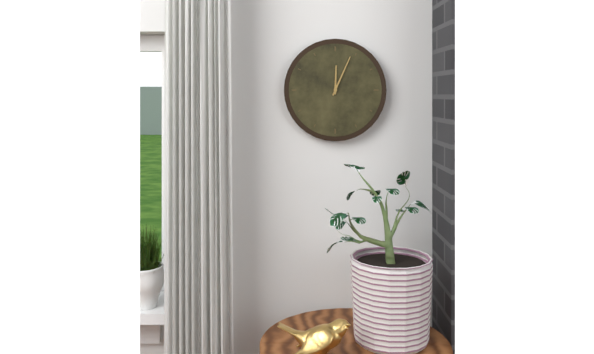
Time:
12.04
